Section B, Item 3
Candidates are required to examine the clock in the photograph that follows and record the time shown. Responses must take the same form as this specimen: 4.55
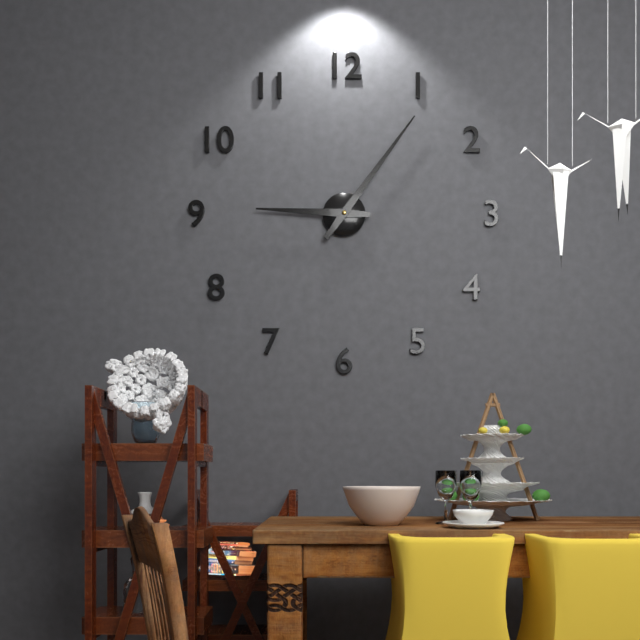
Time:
9.06
